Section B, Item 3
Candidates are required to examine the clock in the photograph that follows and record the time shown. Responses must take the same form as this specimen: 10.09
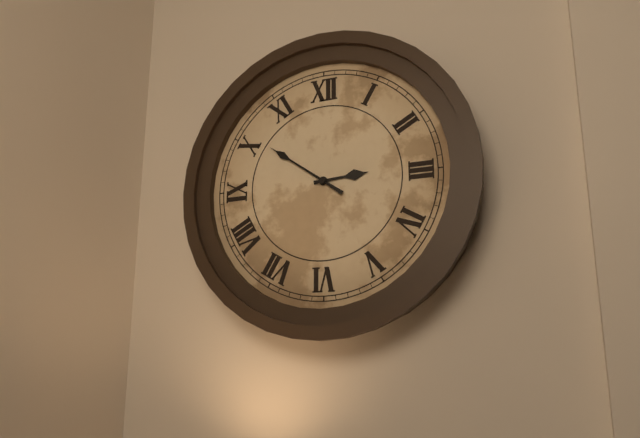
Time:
2.51
